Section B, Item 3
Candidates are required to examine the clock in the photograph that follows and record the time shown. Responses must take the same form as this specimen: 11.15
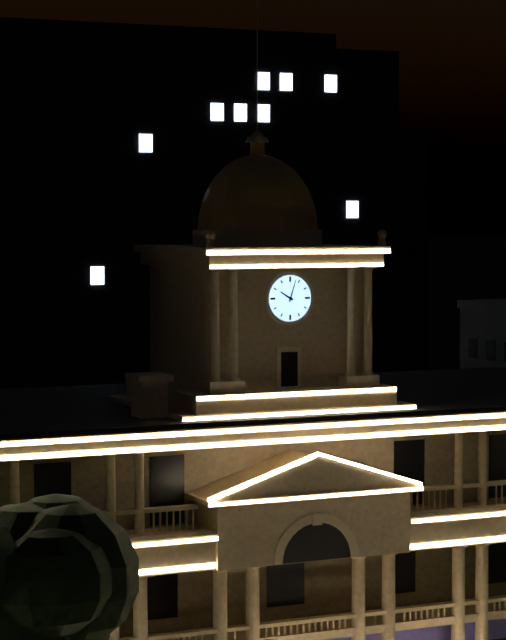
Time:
10.03
